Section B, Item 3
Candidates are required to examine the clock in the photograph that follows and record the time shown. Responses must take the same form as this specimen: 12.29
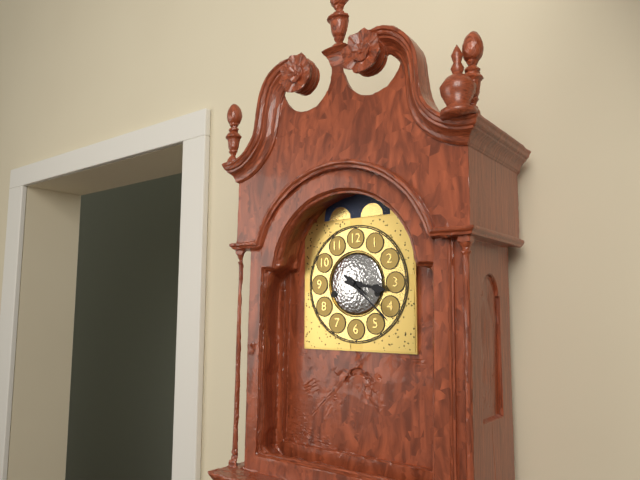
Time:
3.22
